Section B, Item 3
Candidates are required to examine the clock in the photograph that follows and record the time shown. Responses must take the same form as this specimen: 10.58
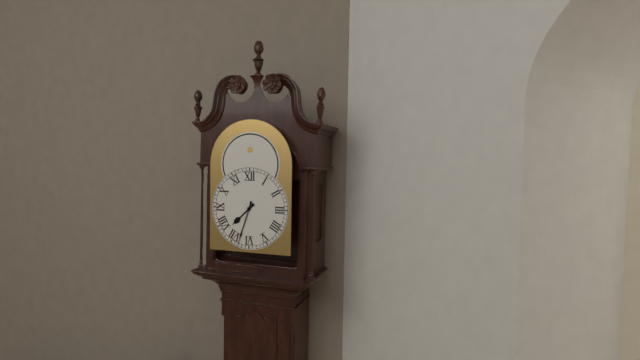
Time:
7.33
